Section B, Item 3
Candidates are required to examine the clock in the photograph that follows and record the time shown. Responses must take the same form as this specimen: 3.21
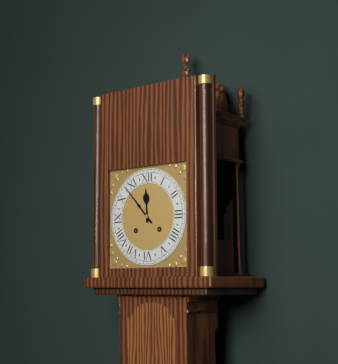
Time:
11.53
